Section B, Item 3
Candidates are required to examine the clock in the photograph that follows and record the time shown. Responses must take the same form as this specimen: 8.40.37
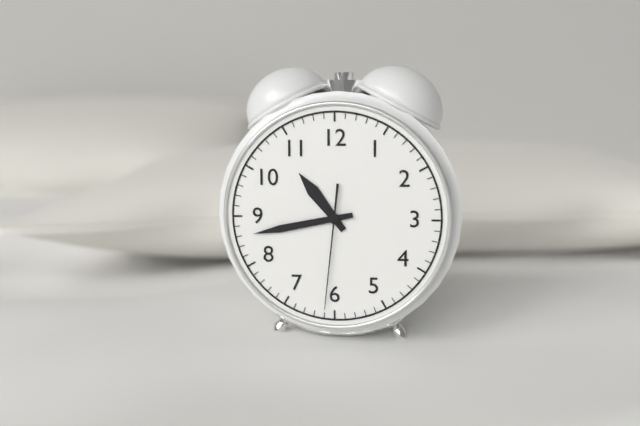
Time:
10.43.31
